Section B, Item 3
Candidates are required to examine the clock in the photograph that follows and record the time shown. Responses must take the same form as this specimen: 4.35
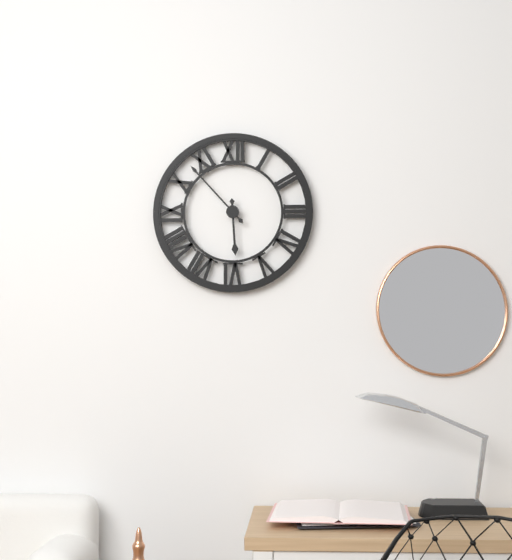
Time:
5.53
